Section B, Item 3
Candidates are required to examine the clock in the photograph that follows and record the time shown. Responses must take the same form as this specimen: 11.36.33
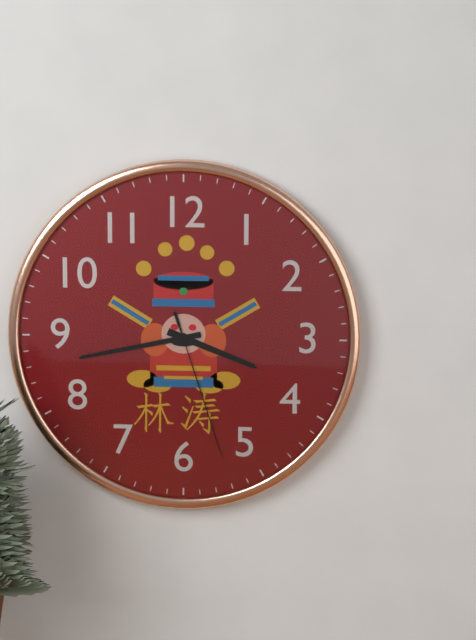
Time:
3.43.27
